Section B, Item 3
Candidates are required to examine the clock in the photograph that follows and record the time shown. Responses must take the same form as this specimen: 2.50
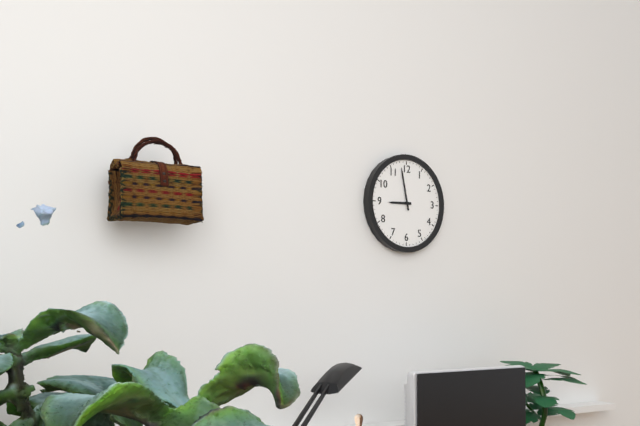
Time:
8.58
